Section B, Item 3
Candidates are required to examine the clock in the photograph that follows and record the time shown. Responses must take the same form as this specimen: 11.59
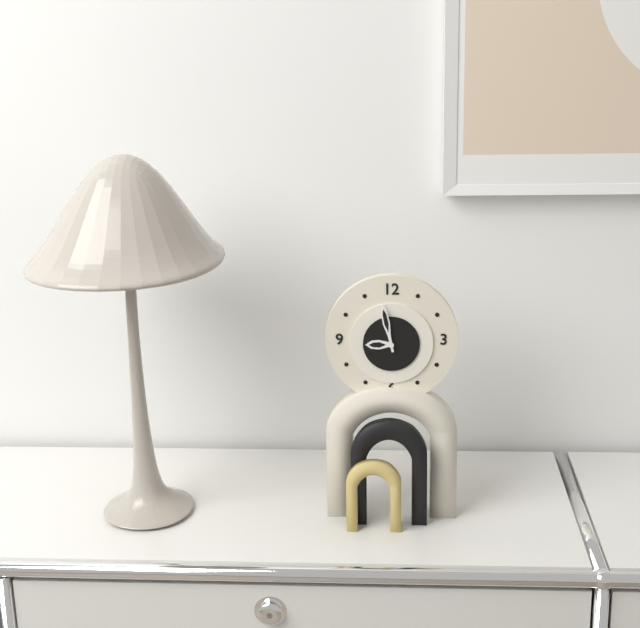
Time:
8.58
